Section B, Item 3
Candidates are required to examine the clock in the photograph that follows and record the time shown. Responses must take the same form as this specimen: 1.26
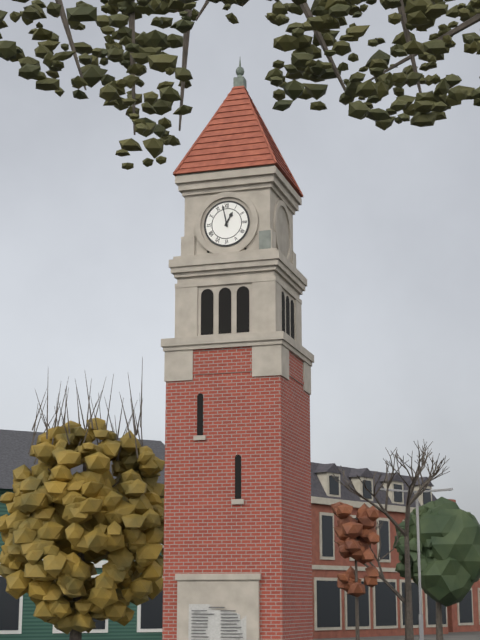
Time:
12.58
